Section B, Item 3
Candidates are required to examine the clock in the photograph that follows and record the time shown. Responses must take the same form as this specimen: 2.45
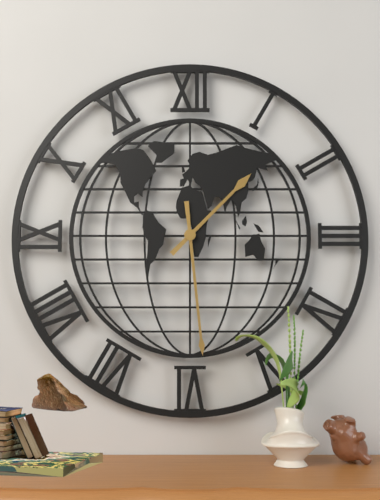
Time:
1.29
